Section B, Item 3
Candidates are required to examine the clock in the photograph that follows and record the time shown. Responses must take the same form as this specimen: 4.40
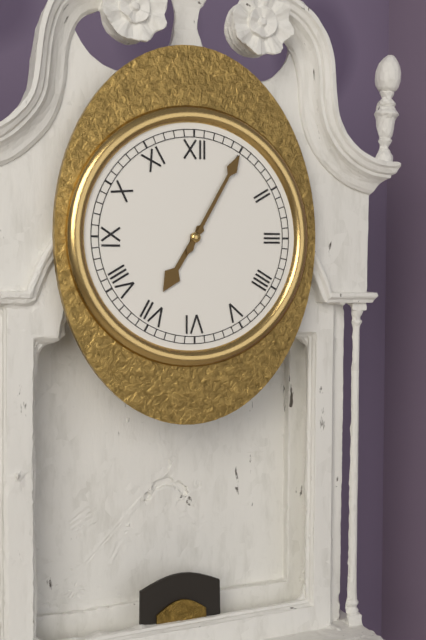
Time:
7.05
